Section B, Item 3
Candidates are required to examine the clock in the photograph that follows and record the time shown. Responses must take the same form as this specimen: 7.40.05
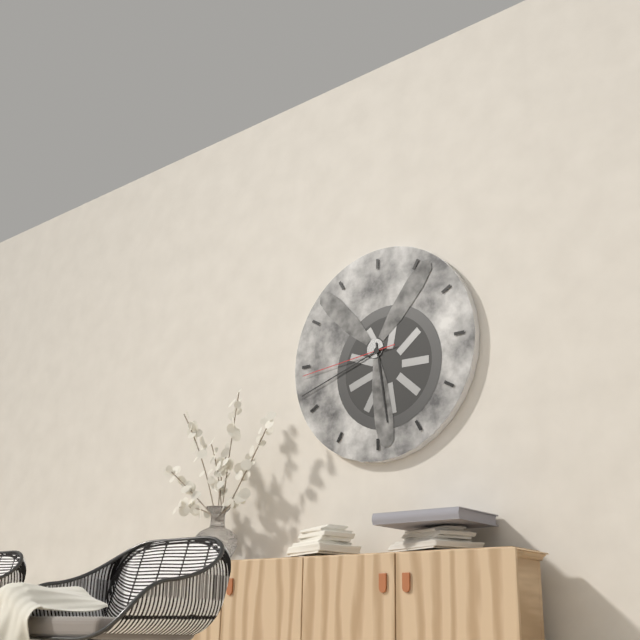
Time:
5.42.44
